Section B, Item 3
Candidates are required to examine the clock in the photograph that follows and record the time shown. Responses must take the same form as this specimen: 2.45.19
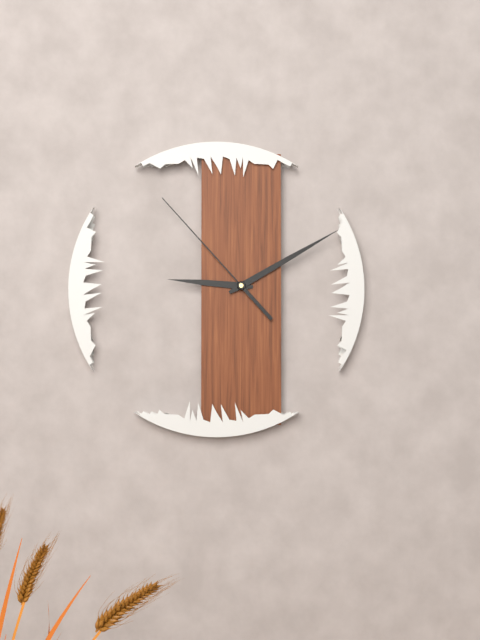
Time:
9.10.53
